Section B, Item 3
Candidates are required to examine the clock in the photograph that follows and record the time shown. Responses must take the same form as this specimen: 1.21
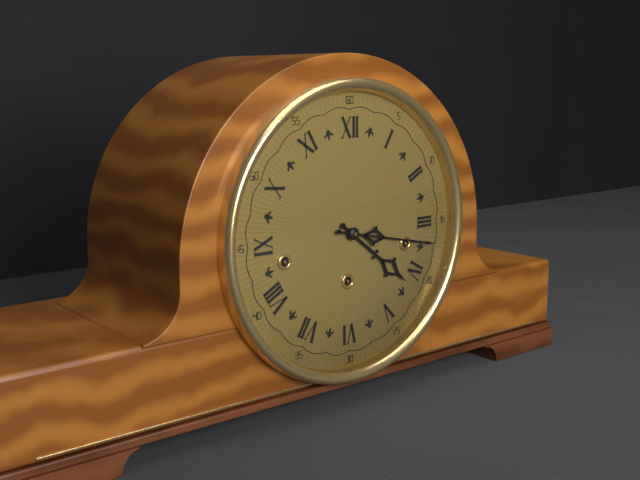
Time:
4.17
